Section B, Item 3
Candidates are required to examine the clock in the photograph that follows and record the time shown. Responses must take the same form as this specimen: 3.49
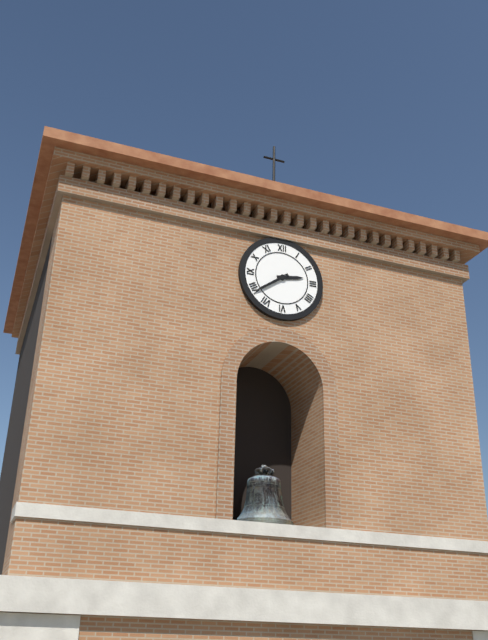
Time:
2.39
